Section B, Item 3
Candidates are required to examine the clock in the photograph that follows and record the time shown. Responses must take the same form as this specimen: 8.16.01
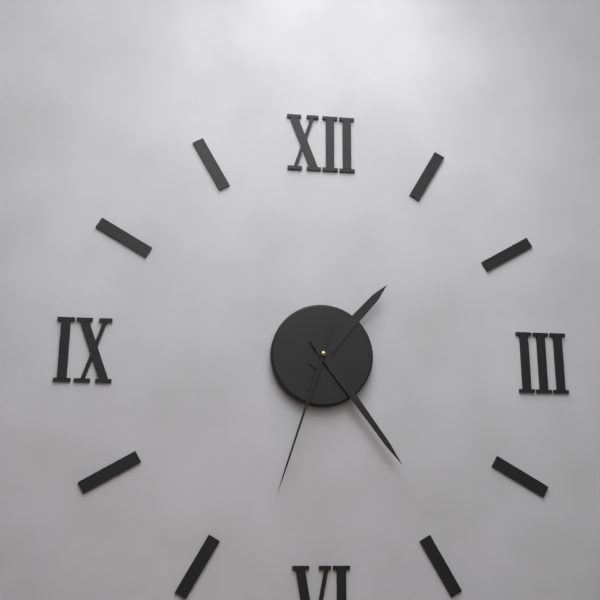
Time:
1.24.33
